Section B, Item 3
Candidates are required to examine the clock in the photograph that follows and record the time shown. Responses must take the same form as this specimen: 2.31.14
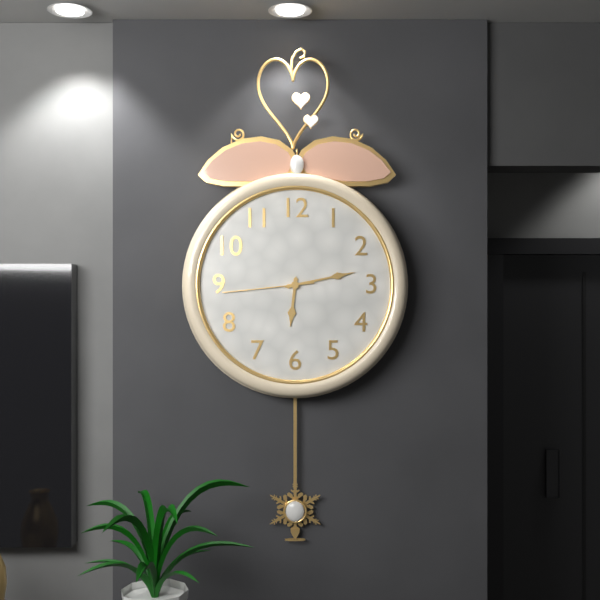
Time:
6.13.44
